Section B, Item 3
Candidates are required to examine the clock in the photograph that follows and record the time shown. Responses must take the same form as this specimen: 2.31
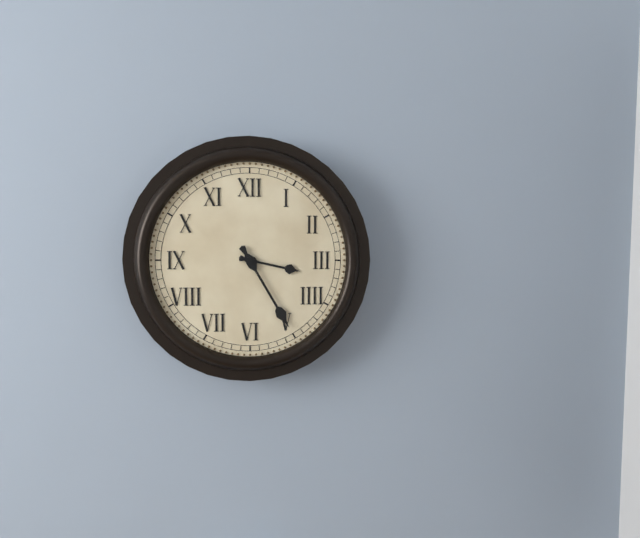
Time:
3.25
